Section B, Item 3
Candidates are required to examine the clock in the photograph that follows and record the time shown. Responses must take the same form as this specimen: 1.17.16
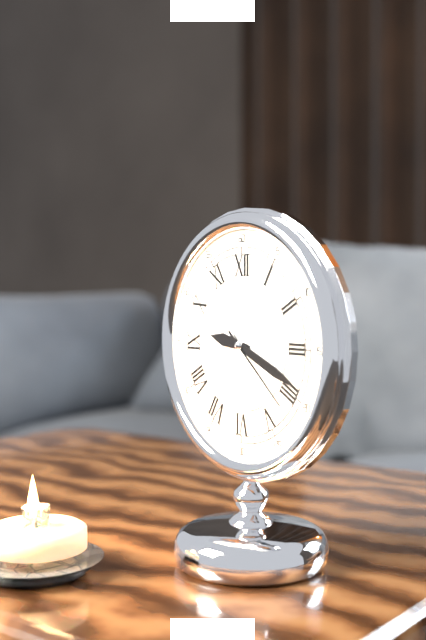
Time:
9.19.22
